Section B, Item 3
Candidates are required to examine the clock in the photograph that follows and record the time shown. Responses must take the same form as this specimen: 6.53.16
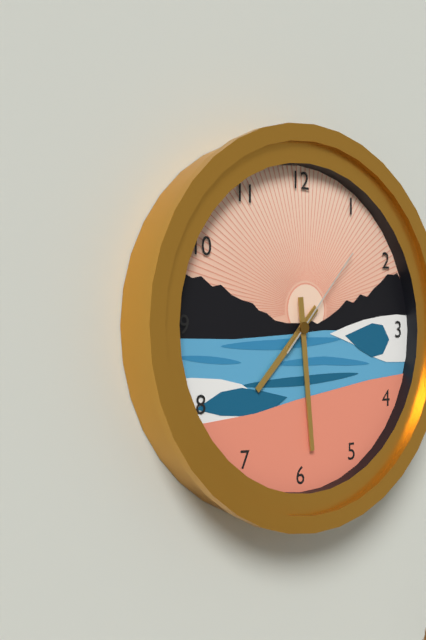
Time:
7.29.07
